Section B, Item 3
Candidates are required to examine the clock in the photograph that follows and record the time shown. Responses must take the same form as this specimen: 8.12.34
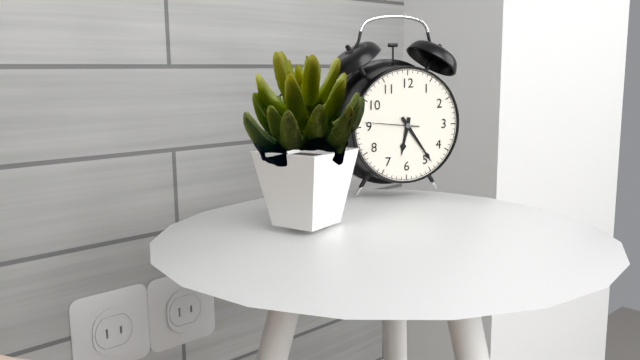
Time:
6.24.46
